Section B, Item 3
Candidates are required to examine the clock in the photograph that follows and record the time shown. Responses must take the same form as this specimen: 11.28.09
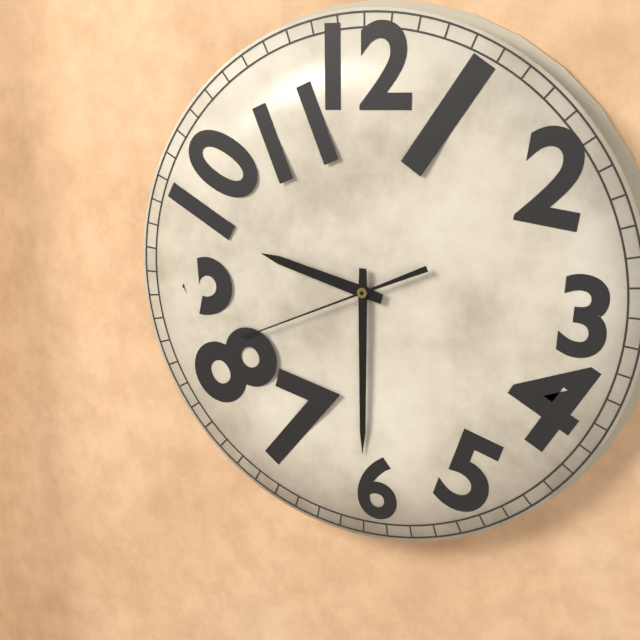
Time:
9.30.41
